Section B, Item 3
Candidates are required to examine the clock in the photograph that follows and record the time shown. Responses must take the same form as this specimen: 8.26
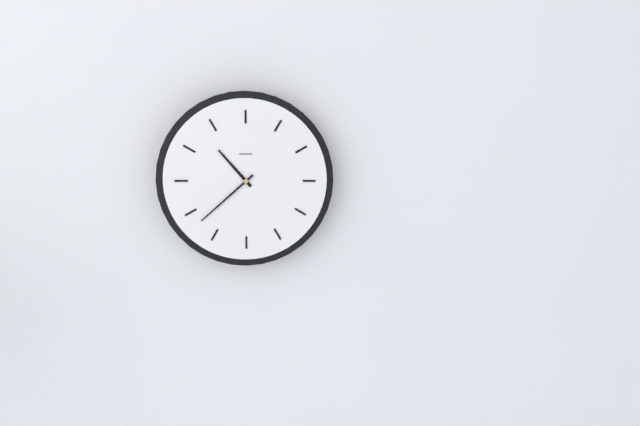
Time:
10.38
